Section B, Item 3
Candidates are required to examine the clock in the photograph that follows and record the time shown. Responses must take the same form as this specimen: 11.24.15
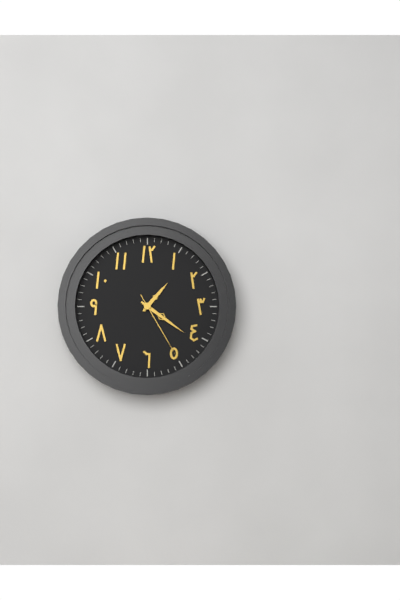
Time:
1.21.25
